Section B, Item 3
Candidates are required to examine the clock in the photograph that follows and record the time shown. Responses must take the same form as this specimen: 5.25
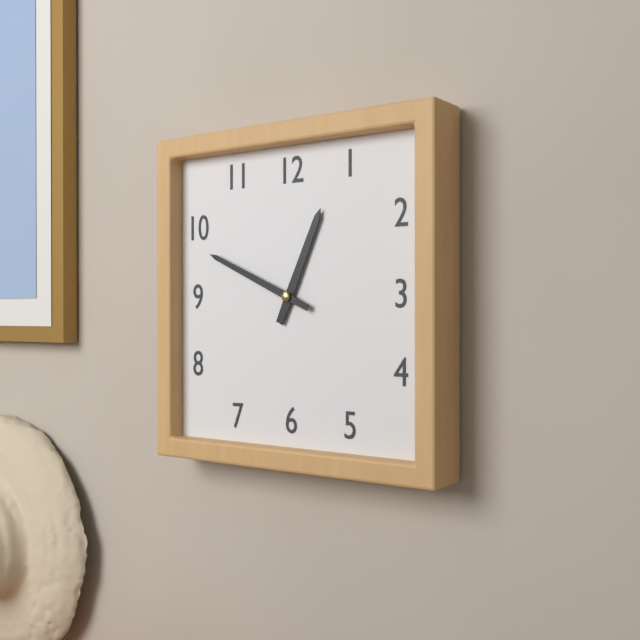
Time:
12.49
